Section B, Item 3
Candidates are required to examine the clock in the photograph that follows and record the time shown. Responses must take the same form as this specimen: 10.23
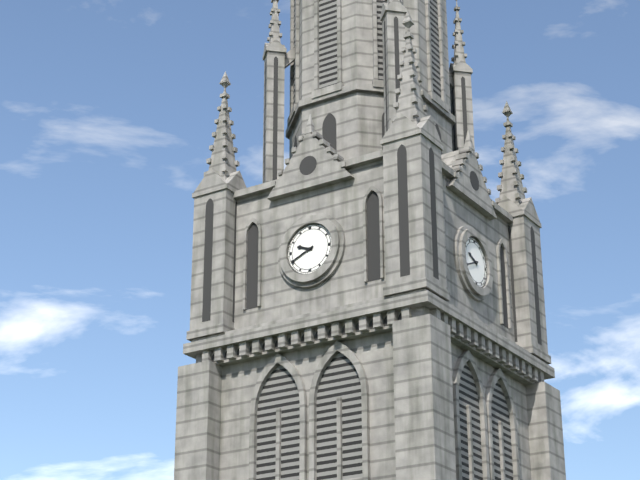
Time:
9.41
